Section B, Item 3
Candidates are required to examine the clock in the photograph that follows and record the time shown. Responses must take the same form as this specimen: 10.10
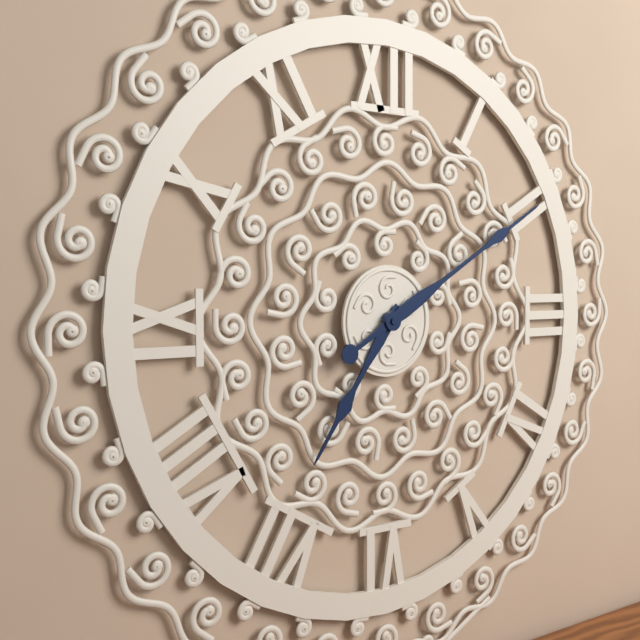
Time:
7.10
